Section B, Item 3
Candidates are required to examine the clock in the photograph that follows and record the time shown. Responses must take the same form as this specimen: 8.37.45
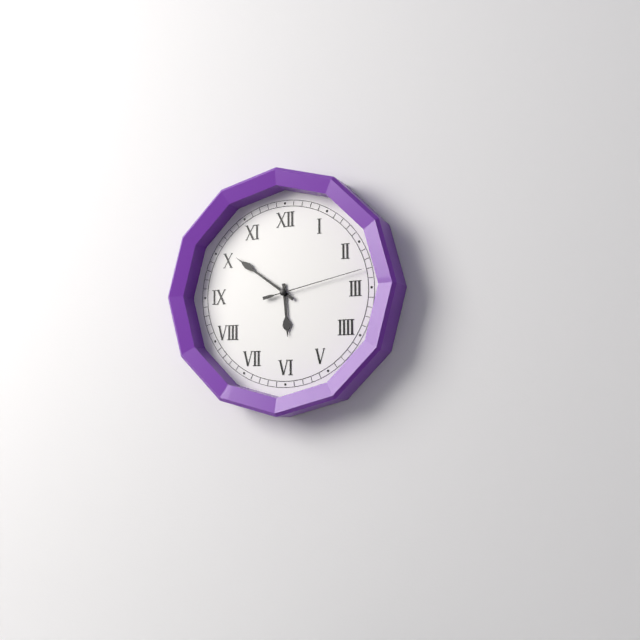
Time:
5.51.13
